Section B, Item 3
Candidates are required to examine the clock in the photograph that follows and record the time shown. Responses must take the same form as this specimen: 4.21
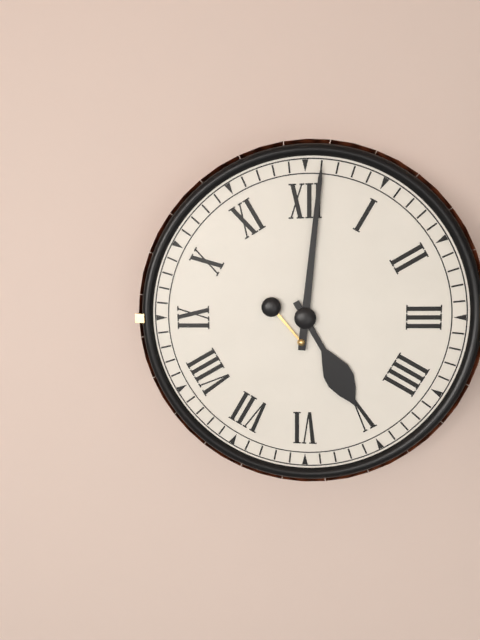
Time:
5.01
